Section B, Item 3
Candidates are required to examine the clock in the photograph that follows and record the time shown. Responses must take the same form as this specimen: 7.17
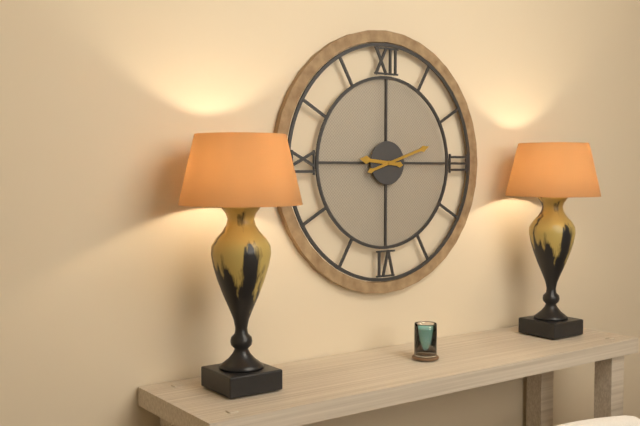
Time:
9.12
